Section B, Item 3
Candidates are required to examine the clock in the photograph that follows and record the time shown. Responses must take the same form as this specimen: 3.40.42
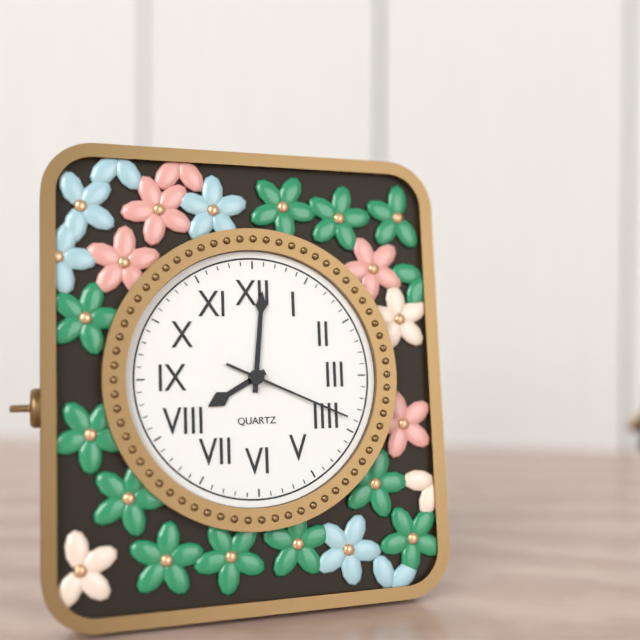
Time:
8.01.19
